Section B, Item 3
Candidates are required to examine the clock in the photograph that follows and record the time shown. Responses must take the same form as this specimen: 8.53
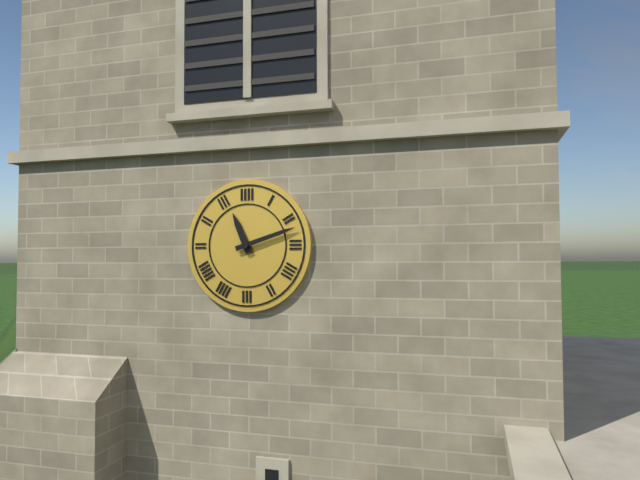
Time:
11.12
